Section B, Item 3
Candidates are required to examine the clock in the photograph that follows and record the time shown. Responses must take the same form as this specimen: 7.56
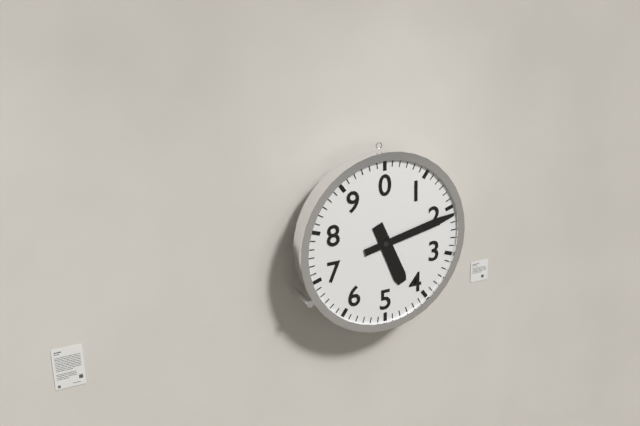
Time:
5.13
